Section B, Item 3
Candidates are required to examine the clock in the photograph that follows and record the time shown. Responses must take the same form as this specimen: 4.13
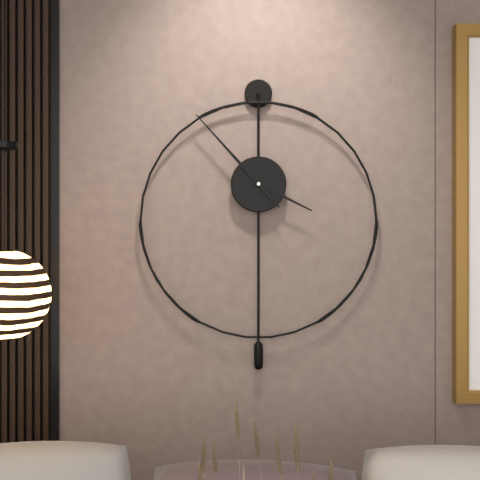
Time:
3.53
